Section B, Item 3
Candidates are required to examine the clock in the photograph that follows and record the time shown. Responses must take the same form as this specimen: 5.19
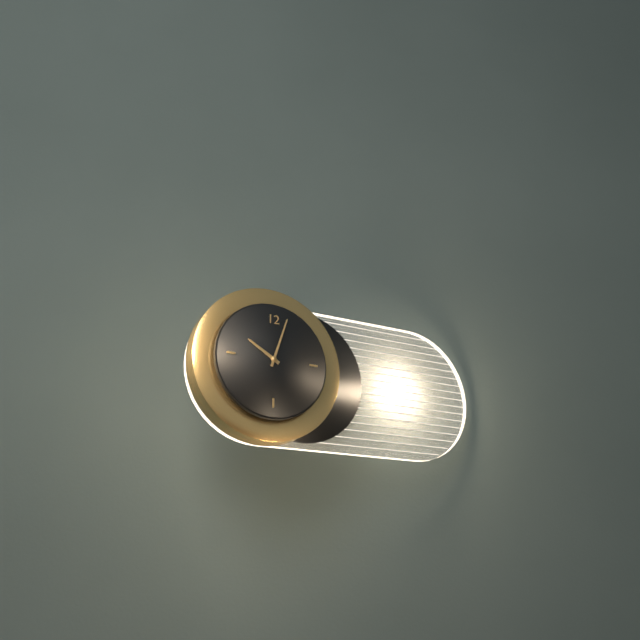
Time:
10.03
